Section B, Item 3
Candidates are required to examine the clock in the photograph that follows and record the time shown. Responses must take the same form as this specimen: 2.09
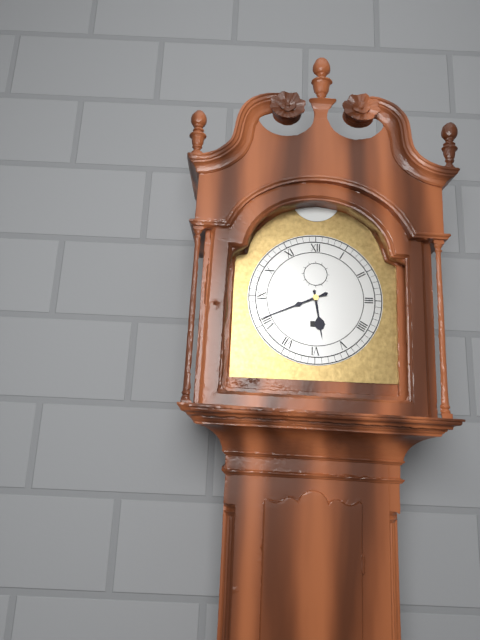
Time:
5.41
